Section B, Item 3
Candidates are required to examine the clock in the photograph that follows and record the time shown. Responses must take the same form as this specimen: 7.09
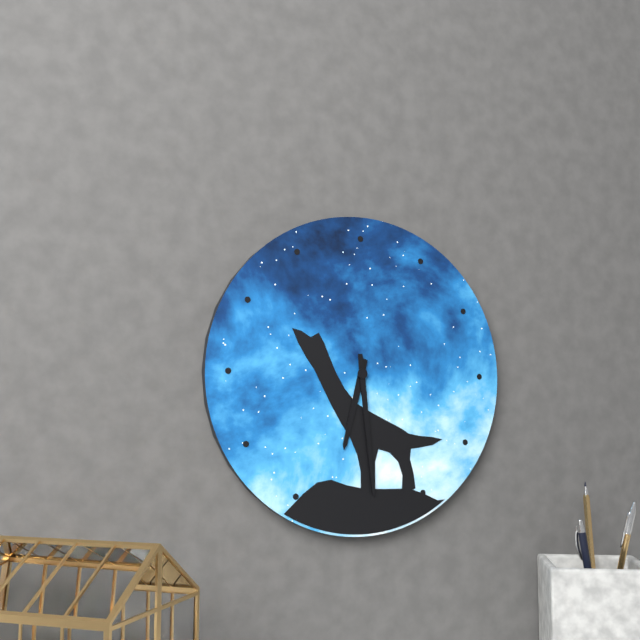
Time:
6.29
